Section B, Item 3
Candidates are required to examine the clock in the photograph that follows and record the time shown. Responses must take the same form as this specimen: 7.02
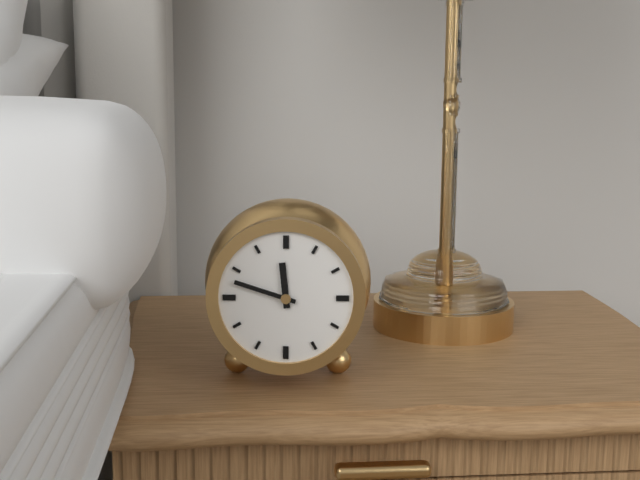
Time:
11.48
